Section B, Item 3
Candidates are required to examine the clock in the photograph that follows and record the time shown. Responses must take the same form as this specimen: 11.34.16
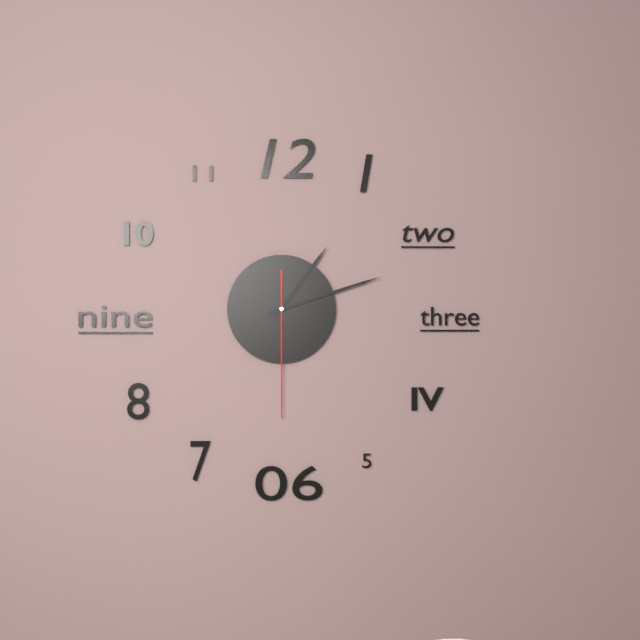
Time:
1.12.30
